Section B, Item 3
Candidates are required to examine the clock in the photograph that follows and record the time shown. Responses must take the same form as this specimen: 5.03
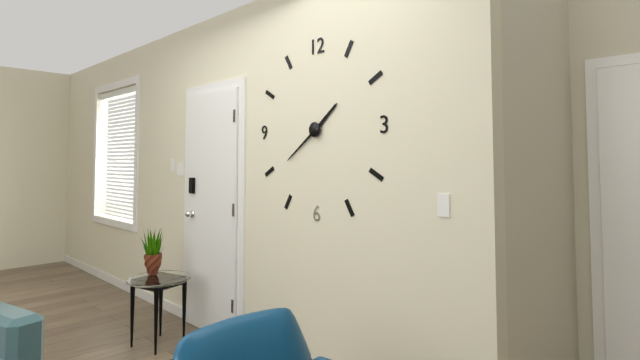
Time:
1.39
